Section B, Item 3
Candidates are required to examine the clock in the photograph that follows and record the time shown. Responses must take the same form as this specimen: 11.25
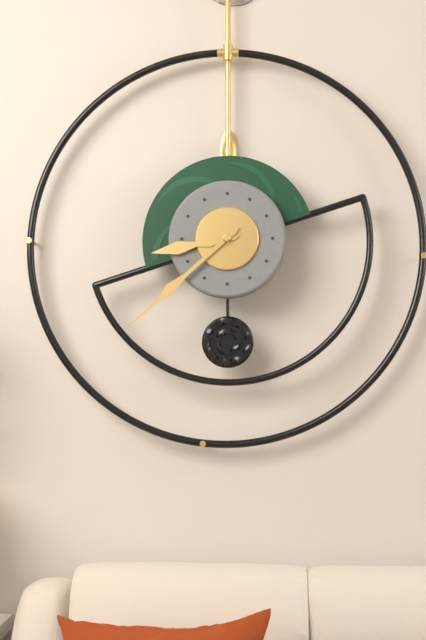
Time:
8.38
